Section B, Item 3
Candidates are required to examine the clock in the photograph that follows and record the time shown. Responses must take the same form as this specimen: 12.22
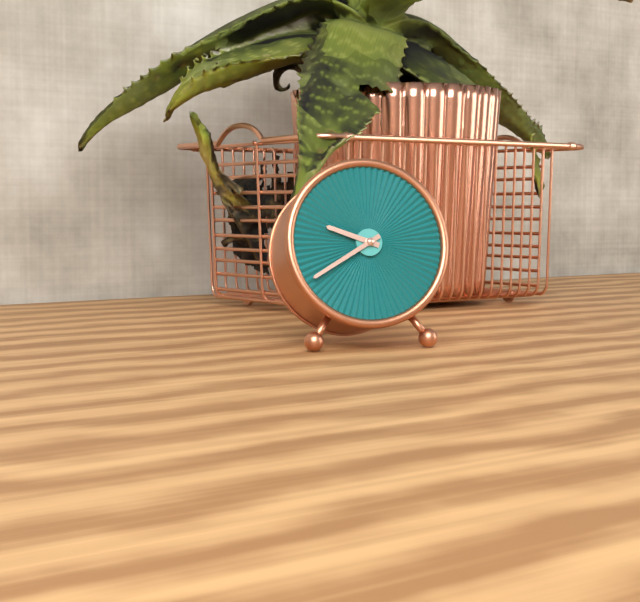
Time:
9.40
